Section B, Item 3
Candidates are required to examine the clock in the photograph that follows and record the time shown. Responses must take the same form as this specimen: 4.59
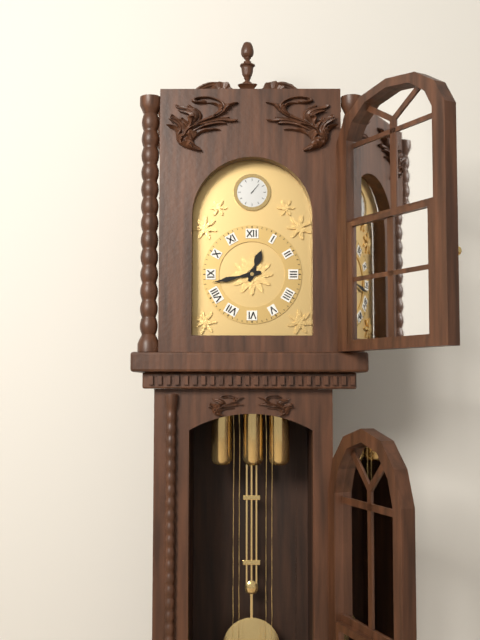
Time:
12.43
